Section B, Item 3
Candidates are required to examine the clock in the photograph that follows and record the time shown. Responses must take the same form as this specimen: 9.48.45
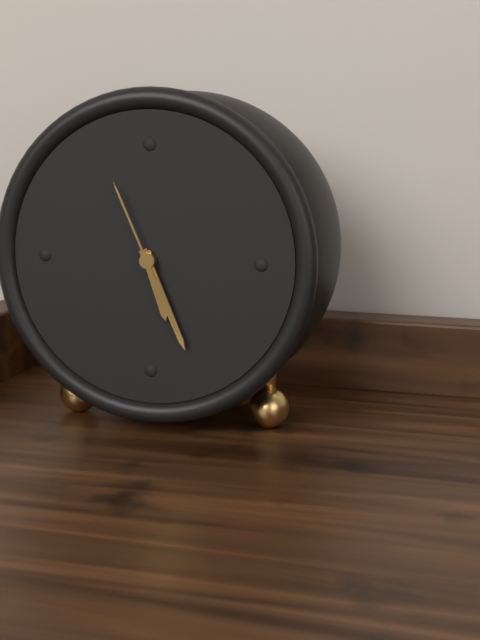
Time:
5.26.56
